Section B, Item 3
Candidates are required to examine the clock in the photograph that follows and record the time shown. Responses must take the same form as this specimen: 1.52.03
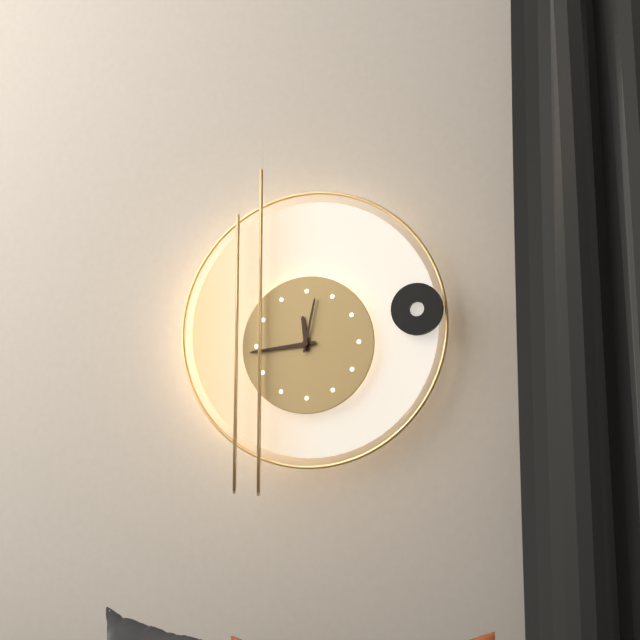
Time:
11.44.02
